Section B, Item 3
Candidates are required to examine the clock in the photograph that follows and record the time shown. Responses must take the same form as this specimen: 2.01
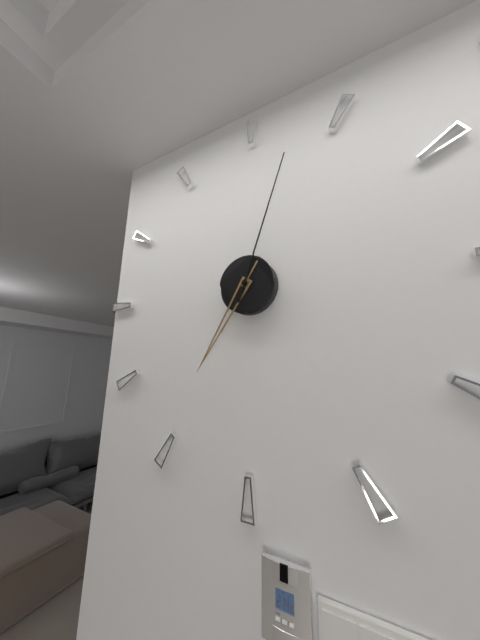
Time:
7.03
